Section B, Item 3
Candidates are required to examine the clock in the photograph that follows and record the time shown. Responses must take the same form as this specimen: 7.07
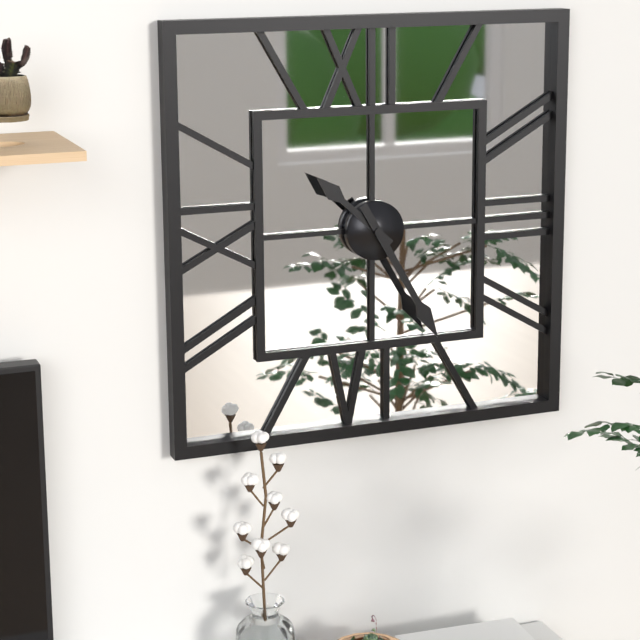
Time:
10.25
